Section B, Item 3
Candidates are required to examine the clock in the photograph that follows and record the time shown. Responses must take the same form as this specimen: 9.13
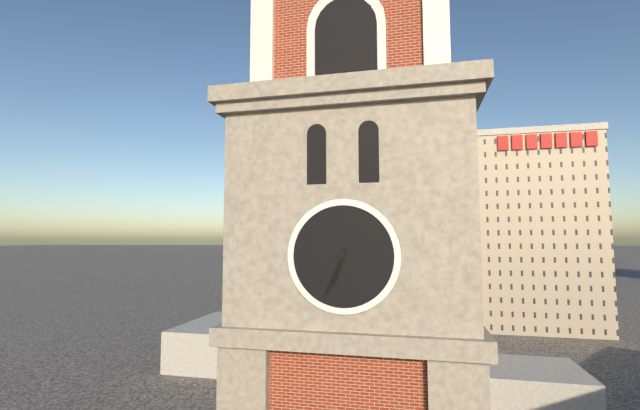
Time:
6.34
